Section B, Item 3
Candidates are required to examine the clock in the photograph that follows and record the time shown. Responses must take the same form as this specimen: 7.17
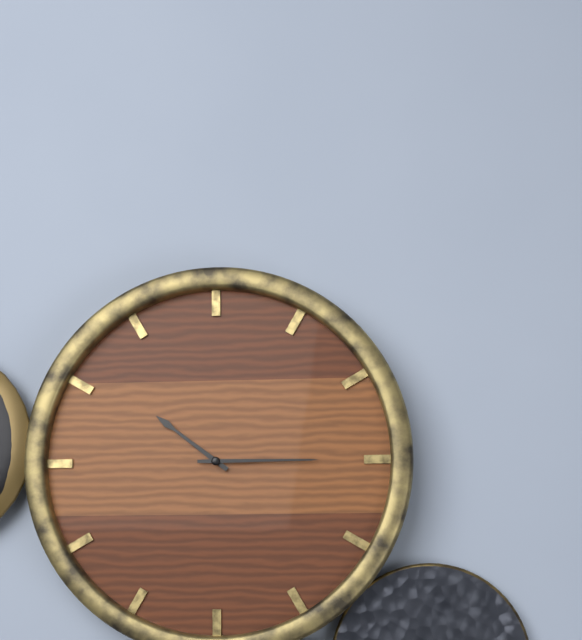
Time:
10.15
